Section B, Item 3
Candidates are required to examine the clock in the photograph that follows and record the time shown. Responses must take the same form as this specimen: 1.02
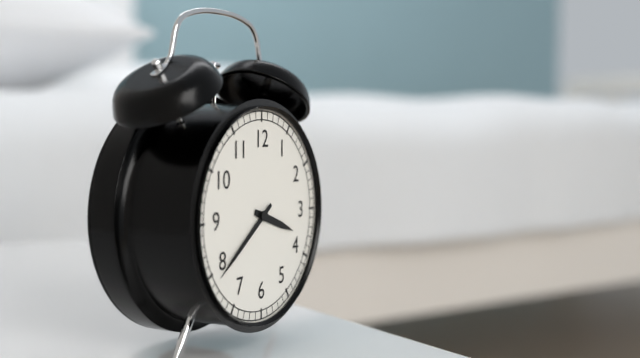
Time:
3.39
